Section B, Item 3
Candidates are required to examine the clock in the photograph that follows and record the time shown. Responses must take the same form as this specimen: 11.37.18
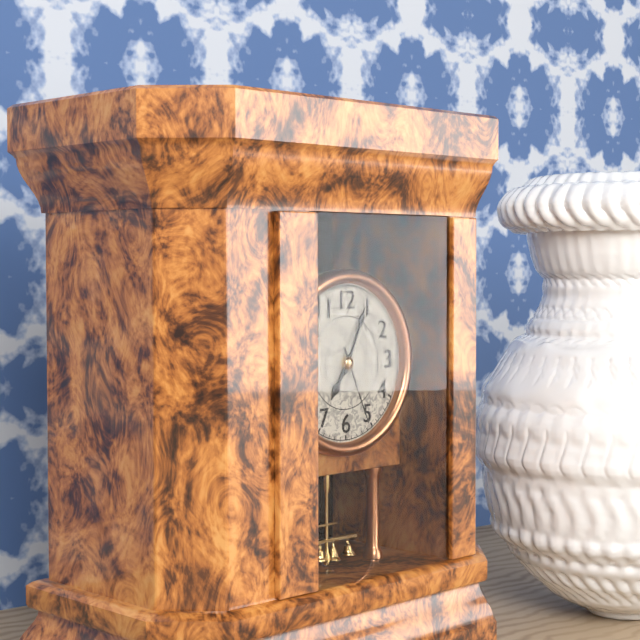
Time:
7.04.26
